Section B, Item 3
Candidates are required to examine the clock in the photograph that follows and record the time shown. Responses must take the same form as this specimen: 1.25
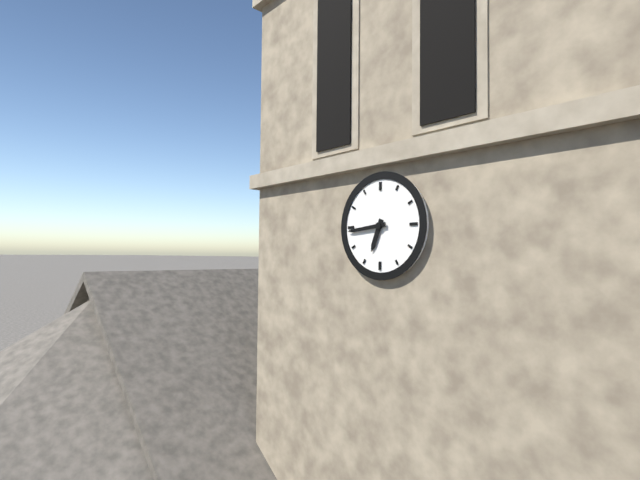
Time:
6.44
